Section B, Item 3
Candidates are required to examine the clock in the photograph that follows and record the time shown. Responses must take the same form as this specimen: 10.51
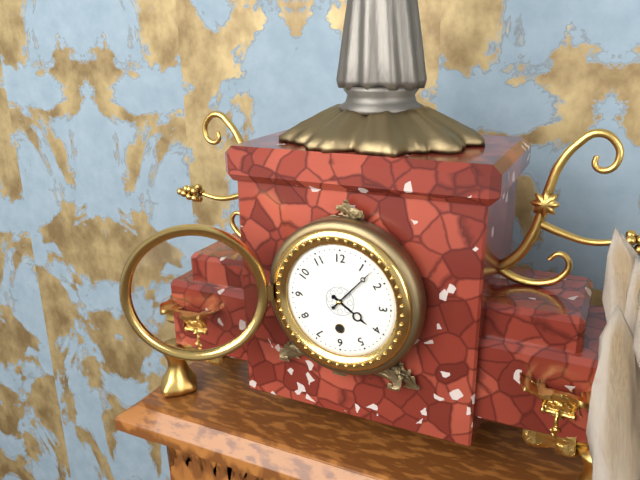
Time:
4.07
